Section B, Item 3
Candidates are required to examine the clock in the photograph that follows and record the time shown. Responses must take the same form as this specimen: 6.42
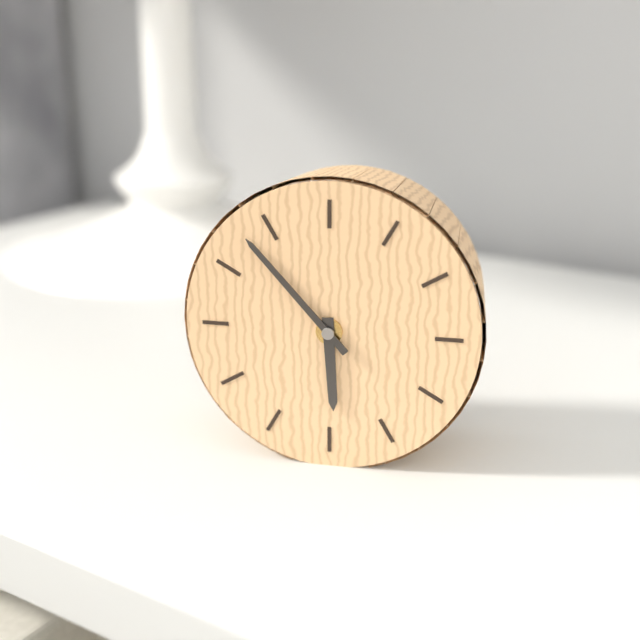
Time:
5.53
